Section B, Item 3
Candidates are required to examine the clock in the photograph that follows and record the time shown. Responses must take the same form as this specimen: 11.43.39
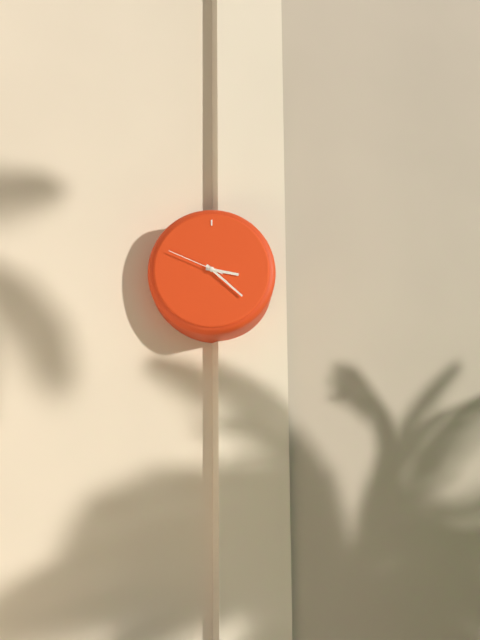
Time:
3.22.49
